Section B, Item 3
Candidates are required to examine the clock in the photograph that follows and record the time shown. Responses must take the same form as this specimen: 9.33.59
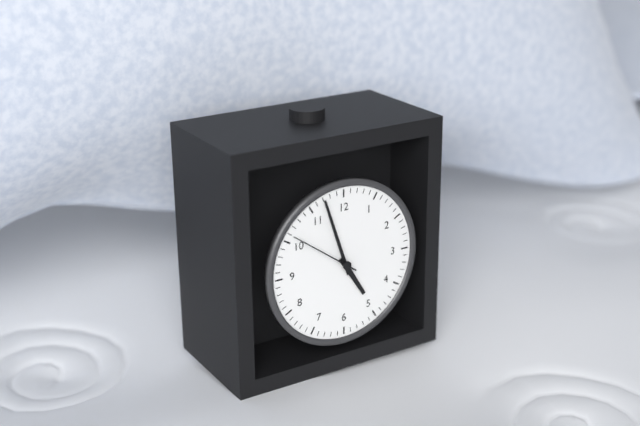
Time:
4.57.51
